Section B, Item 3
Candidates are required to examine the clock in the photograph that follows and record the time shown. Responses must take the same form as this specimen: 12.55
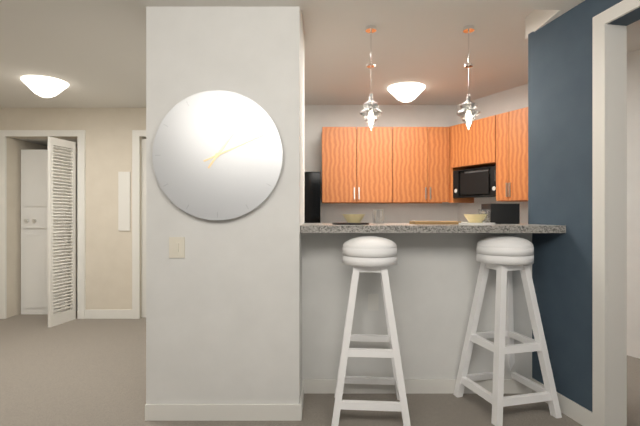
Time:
1.11
